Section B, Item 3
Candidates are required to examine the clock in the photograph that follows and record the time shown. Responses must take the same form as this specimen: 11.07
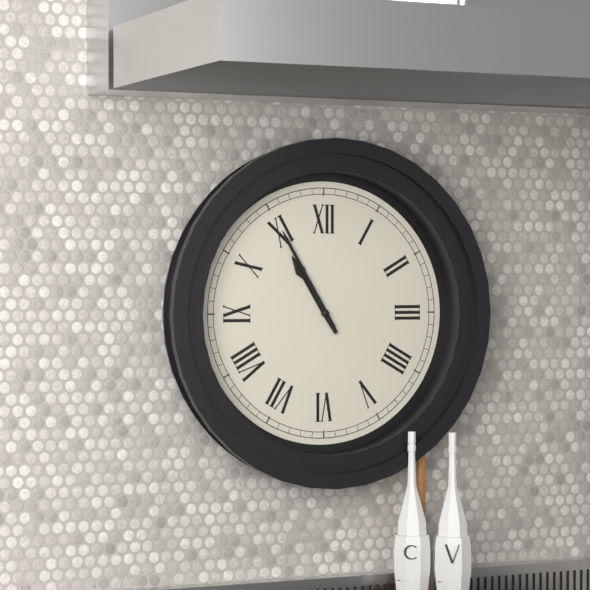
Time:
10.55
